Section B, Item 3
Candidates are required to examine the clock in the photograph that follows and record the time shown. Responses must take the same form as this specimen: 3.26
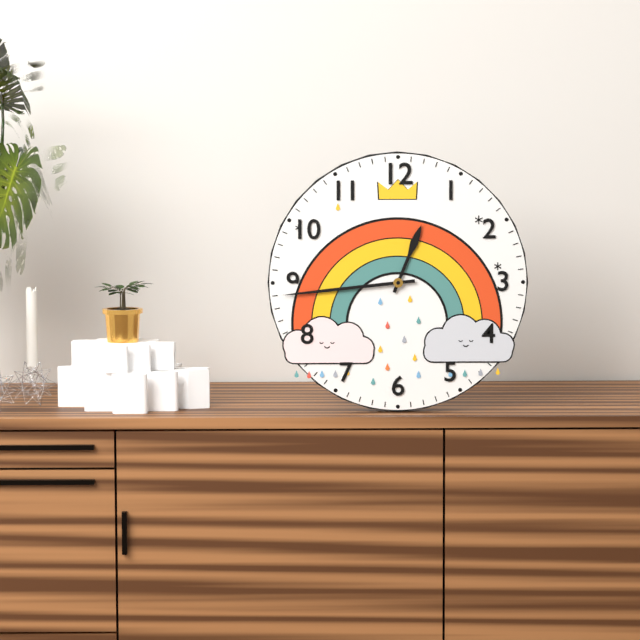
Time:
12.44
